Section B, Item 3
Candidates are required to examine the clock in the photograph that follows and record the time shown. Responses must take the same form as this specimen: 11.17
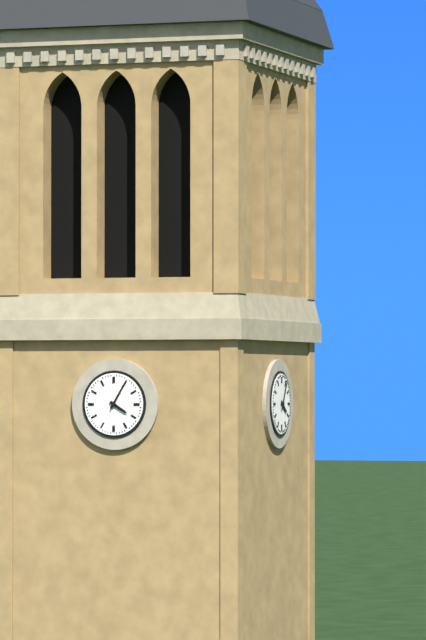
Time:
4.05
